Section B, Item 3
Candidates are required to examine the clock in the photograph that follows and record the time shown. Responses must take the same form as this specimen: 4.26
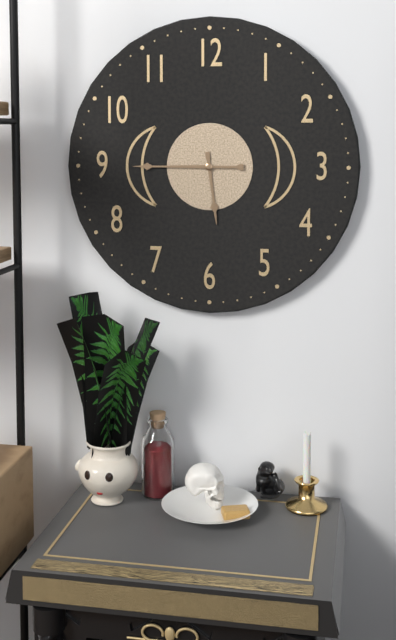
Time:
5.45
